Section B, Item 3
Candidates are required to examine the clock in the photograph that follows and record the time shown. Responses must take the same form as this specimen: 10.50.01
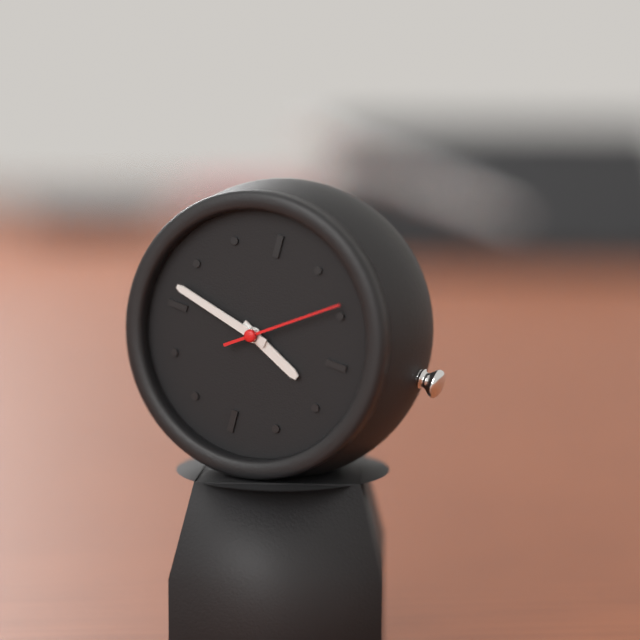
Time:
3.47.09
